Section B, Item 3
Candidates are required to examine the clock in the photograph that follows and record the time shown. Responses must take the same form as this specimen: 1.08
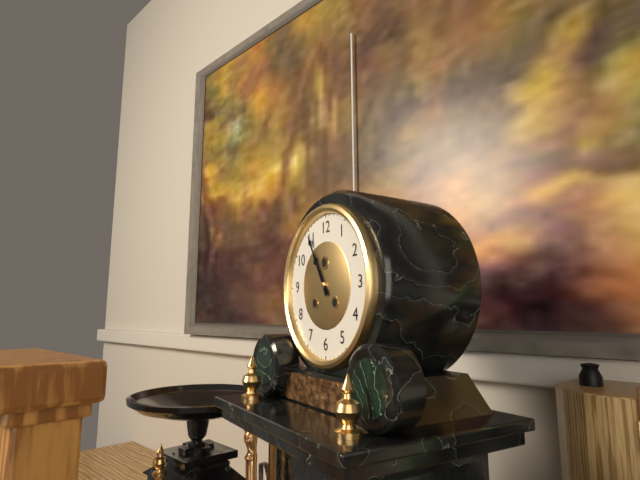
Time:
10.55
